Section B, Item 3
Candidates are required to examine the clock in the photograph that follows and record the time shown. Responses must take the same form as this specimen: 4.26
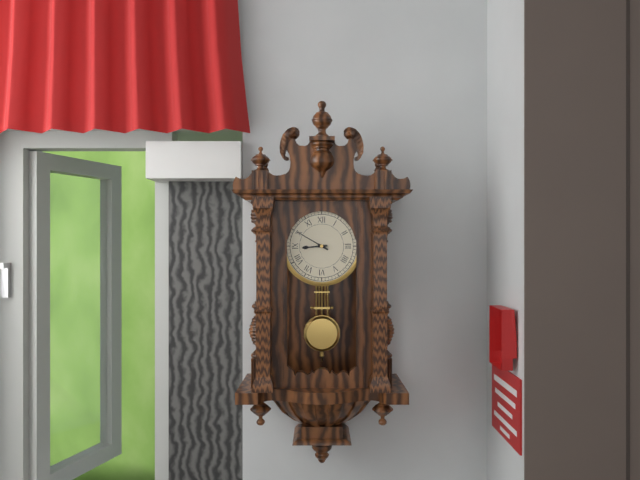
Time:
8.50
